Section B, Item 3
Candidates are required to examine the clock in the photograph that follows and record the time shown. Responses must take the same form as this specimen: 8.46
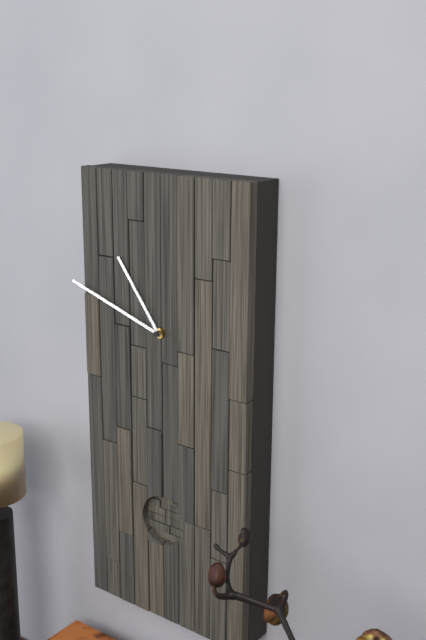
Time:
10.48
